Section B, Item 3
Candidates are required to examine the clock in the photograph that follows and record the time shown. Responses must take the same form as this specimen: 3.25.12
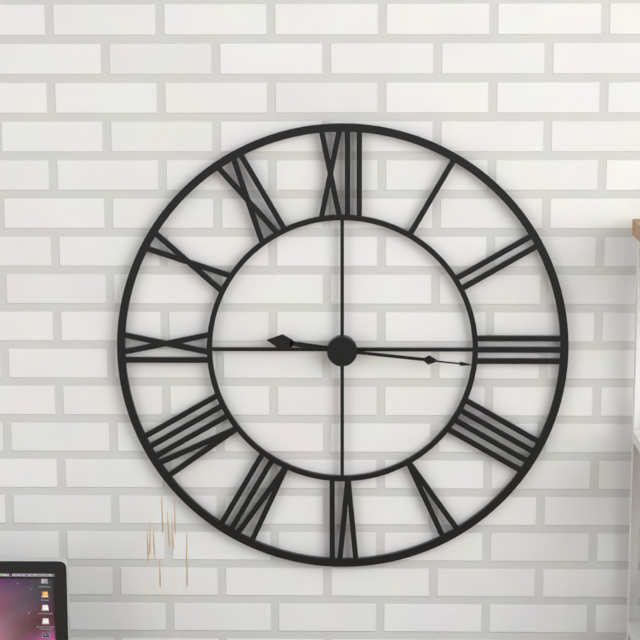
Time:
9.16.16
